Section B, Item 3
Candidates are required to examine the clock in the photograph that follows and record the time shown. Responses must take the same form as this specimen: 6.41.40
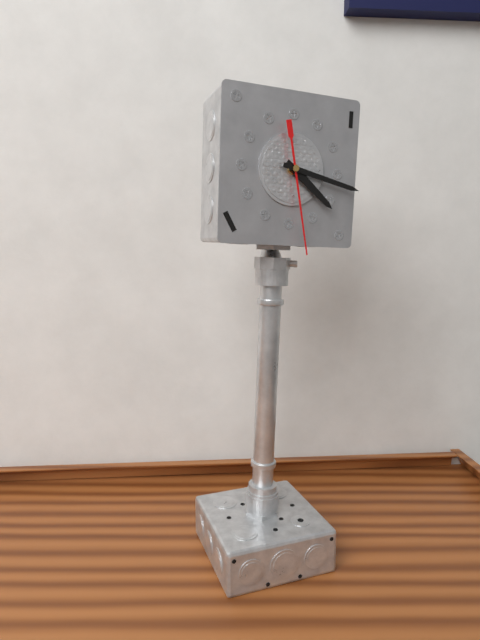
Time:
4.17.28
